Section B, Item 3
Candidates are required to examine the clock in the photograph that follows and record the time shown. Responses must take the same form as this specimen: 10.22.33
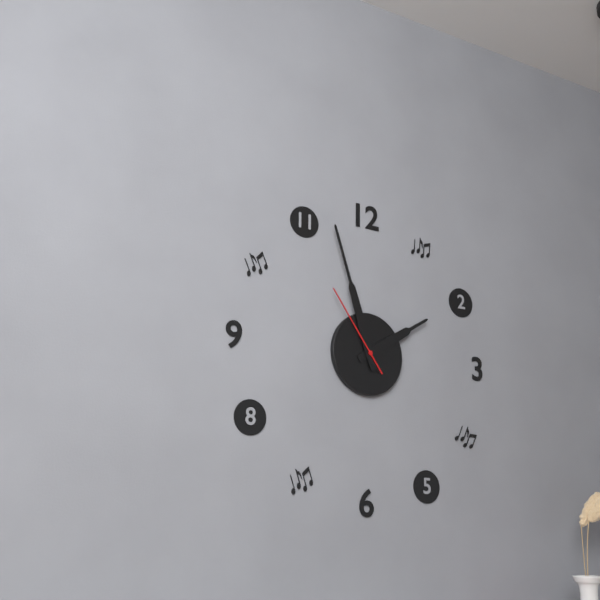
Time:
1.57.54
